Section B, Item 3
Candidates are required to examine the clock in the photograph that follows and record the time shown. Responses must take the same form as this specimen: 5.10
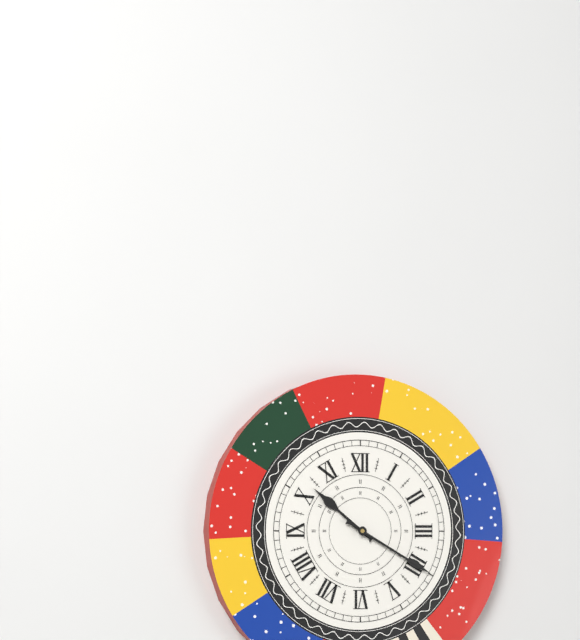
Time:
10.20
